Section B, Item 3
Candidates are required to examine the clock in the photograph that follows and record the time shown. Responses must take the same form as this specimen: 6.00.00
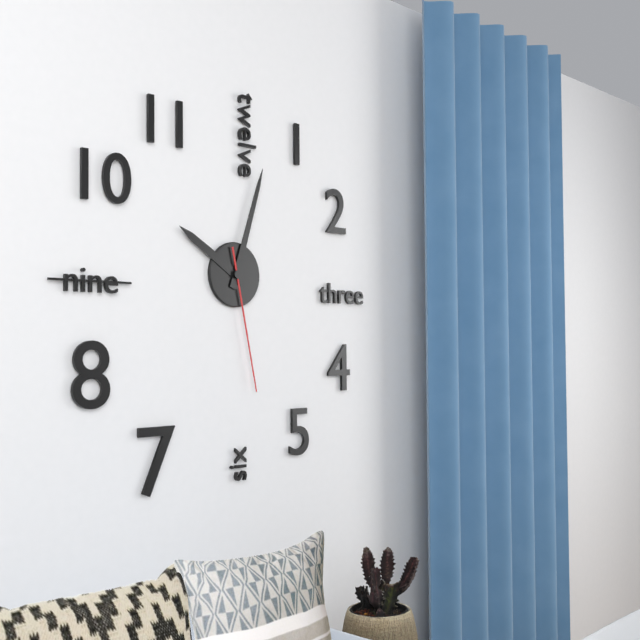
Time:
10.03.28
